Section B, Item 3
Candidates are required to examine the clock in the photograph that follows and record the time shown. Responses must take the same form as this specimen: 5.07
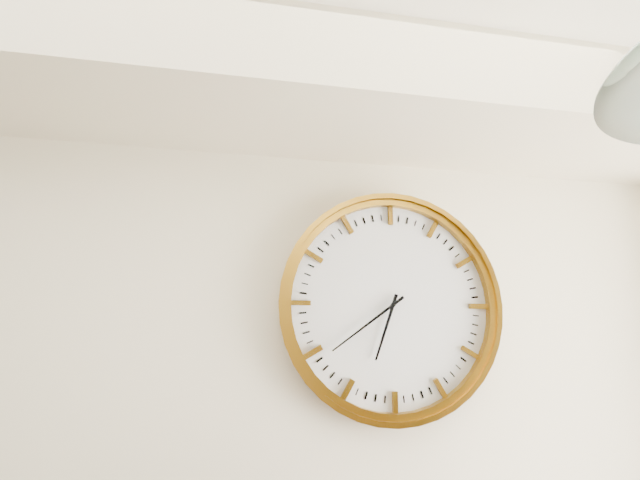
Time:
6.39
